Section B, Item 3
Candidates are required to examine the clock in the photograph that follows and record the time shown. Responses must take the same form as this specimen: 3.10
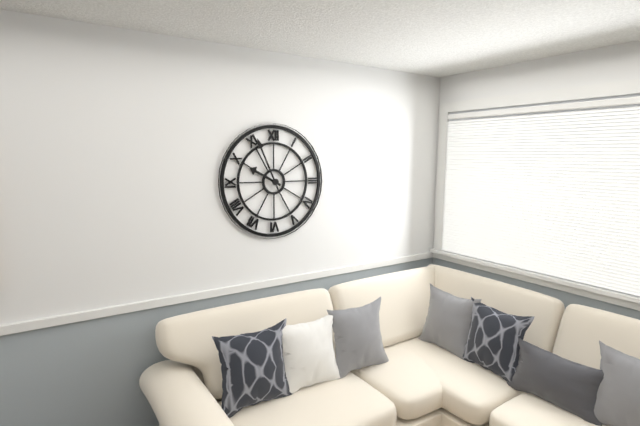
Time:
9.56
